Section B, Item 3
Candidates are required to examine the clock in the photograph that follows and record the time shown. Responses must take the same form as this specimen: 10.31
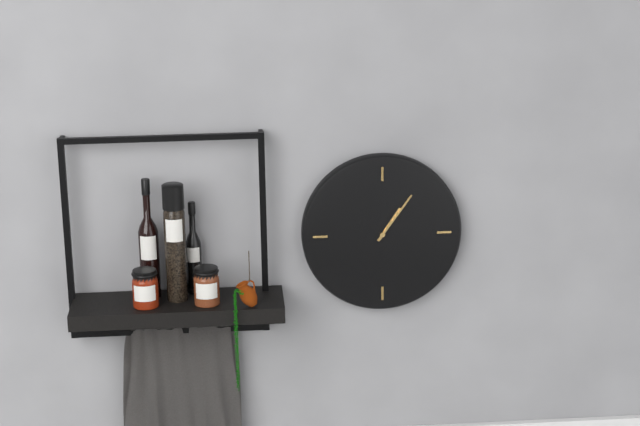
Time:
1.06
